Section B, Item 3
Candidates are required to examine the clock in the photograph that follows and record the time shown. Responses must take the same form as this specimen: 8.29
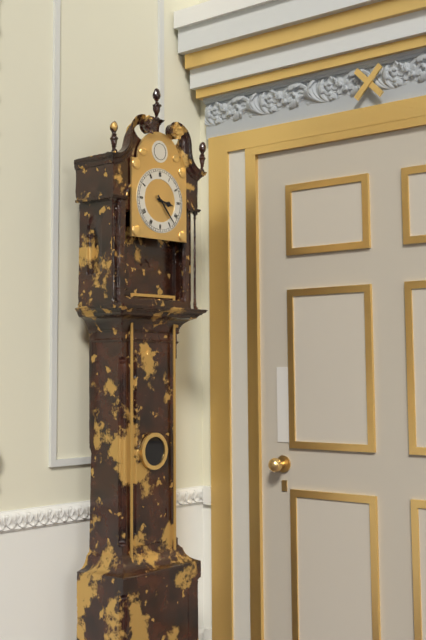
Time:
3.23
